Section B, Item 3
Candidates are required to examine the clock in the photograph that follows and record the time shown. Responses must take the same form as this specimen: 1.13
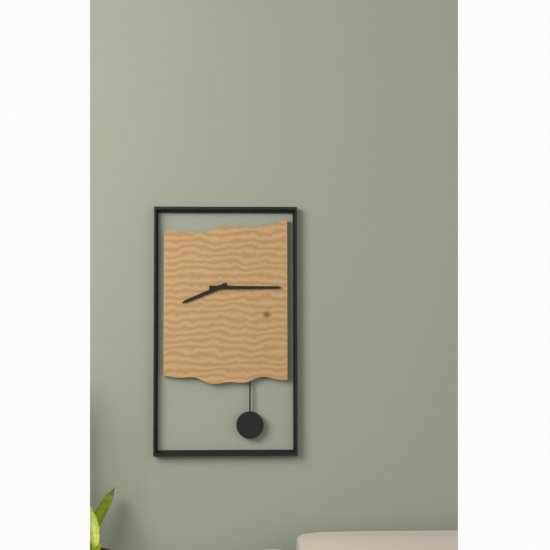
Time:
8.15
